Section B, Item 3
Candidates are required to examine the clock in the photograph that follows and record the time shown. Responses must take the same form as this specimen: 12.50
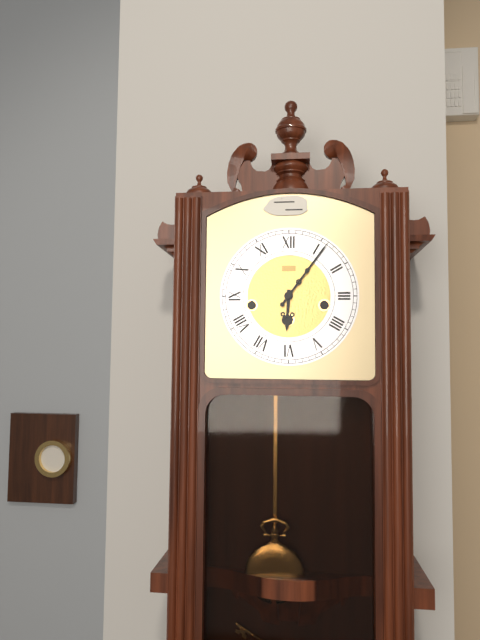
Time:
6.06
